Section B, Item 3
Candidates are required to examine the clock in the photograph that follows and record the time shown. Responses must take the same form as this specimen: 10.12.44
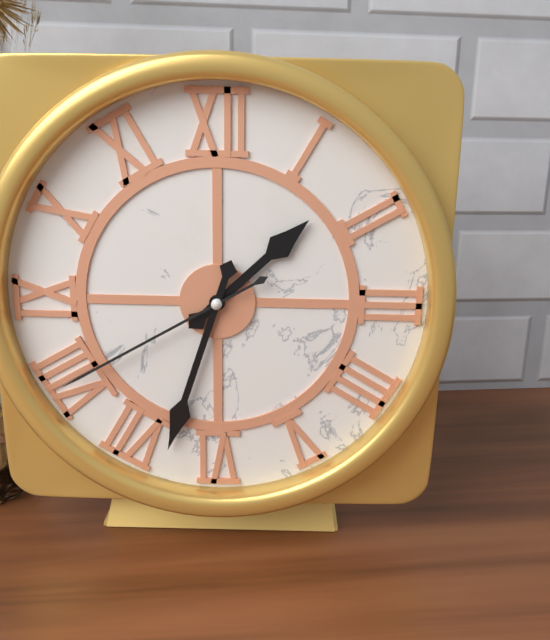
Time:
1.33.40
